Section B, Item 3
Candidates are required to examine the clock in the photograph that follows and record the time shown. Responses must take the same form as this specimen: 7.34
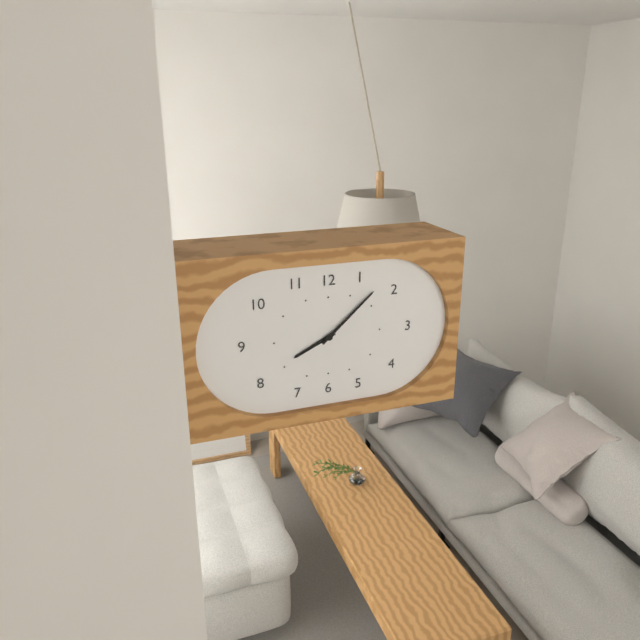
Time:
8.08
